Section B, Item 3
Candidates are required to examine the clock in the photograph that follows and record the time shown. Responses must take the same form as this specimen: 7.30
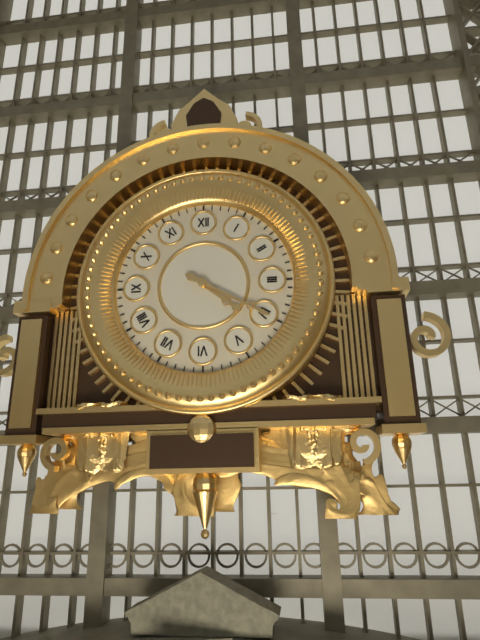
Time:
4.20
